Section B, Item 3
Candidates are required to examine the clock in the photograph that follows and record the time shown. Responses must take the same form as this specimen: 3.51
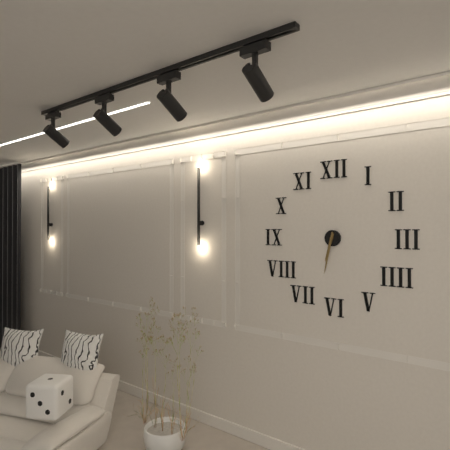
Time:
6.32
